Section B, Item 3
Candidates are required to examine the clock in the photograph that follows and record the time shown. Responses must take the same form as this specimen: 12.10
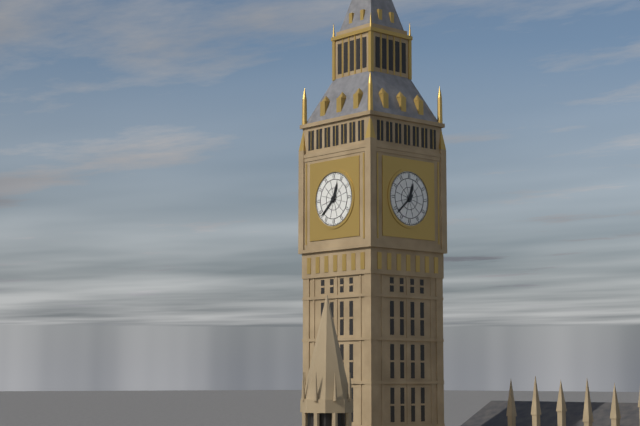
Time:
12.38
